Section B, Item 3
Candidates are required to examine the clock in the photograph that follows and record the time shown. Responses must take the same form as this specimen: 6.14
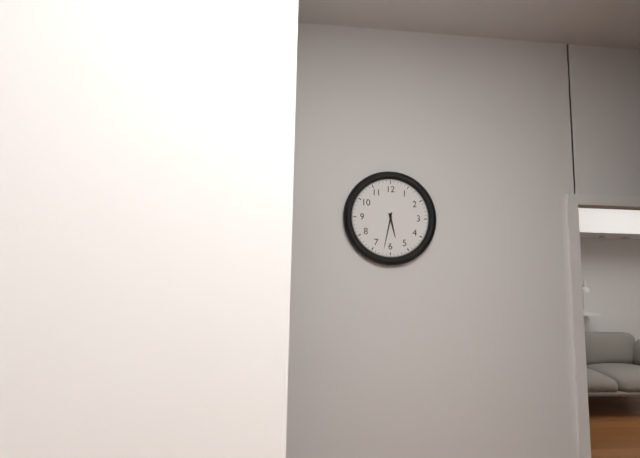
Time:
5.32
